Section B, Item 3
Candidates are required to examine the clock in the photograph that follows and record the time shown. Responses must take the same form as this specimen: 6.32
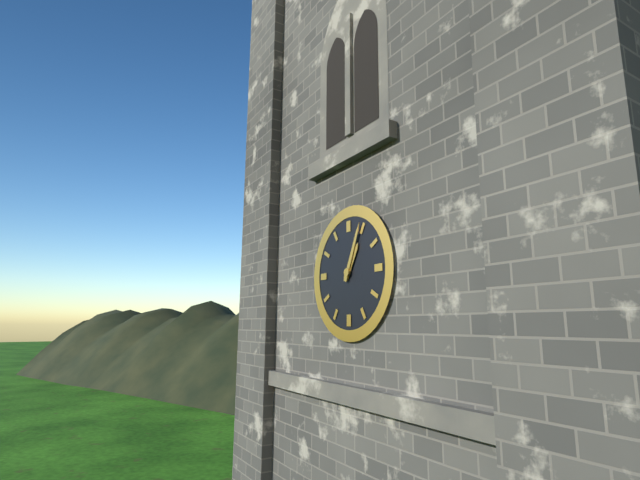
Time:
1.04
